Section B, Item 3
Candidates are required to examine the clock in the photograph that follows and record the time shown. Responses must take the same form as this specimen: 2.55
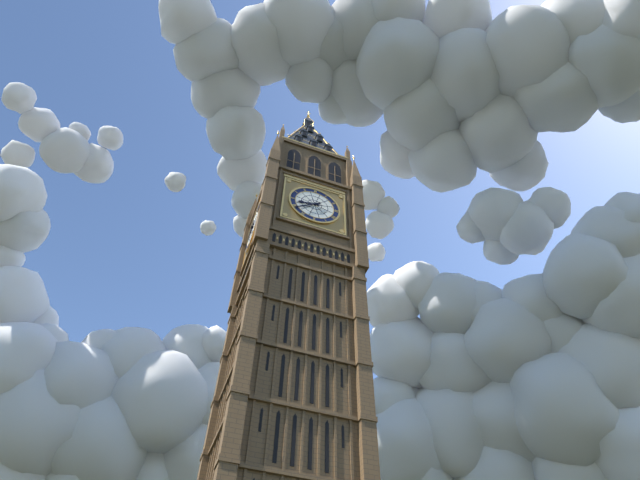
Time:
8.39
